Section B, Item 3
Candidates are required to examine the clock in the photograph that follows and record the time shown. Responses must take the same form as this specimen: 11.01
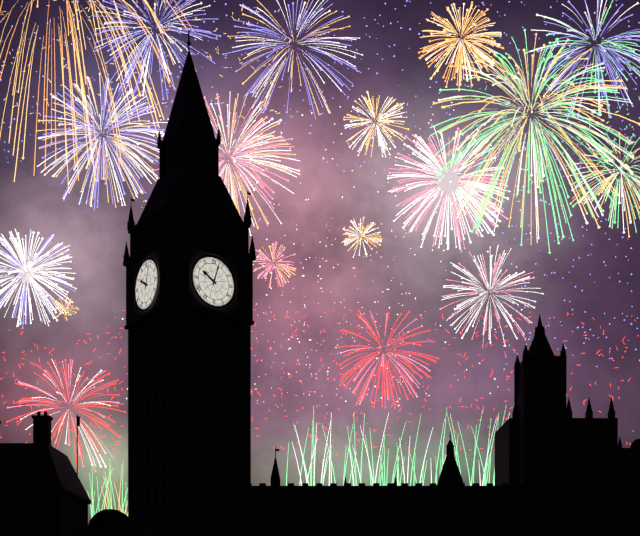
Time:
10.03
